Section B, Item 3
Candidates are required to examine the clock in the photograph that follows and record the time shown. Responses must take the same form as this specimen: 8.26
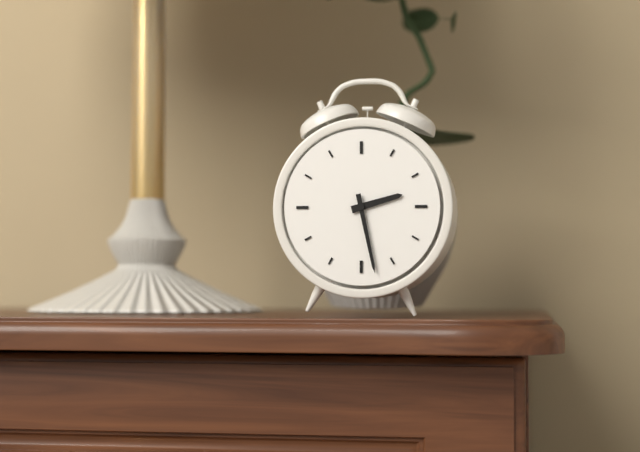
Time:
2.28
